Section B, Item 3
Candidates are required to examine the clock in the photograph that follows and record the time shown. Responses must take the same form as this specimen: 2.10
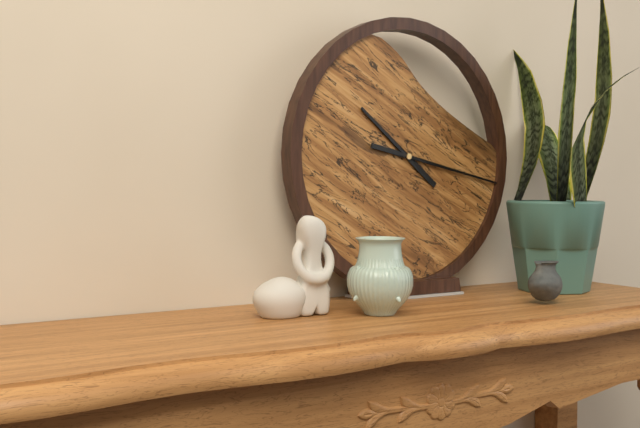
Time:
10.17
